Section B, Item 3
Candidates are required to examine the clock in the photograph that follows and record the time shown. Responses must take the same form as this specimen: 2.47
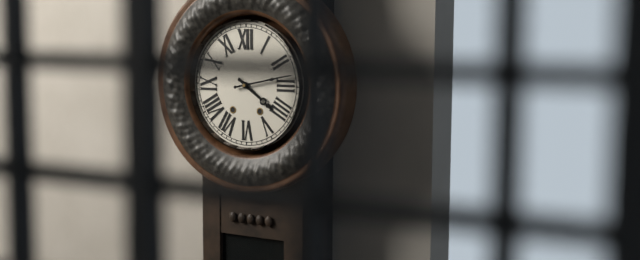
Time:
4.13
